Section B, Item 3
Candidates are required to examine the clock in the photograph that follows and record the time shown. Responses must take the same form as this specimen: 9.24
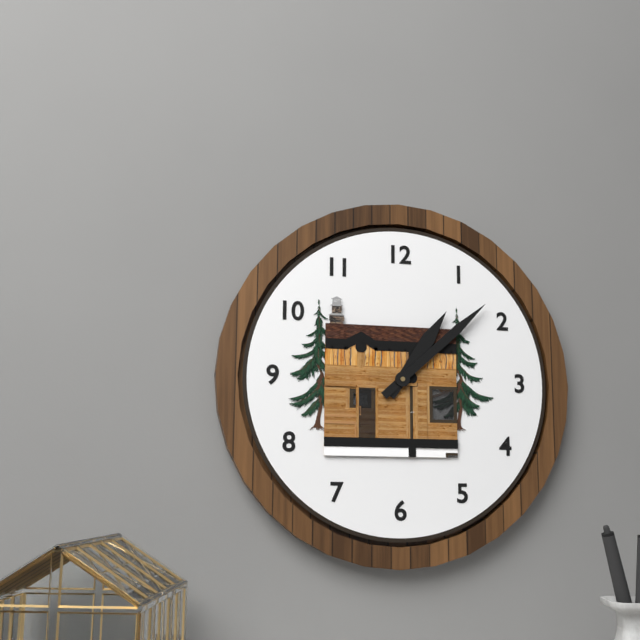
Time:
1.08
